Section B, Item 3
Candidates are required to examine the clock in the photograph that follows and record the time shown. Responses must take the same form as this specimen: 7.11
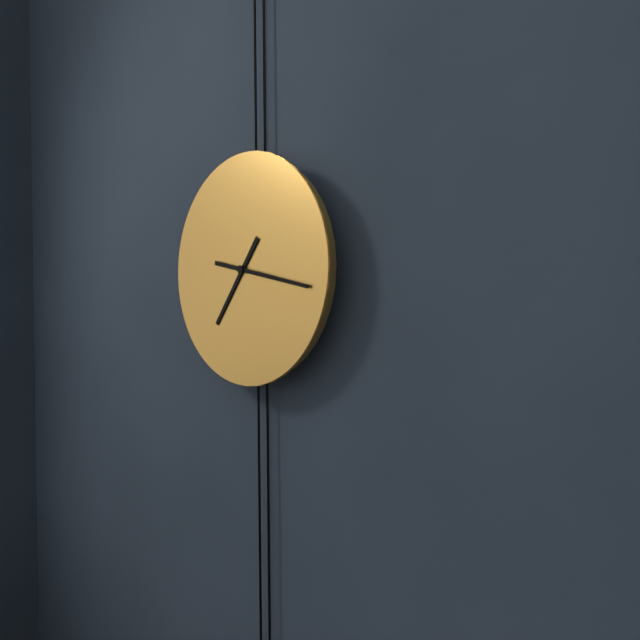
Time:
7.17
